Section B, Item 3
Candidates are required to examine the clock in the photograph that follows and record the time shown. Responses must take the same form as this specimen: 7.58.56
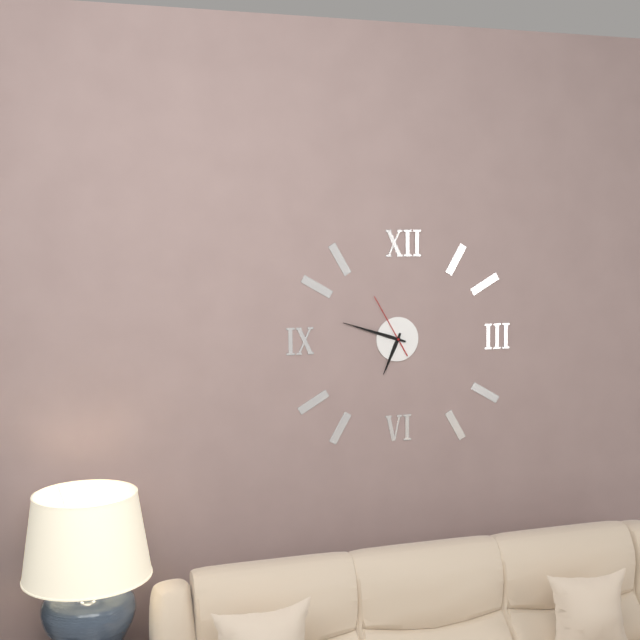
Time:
6.48.55
